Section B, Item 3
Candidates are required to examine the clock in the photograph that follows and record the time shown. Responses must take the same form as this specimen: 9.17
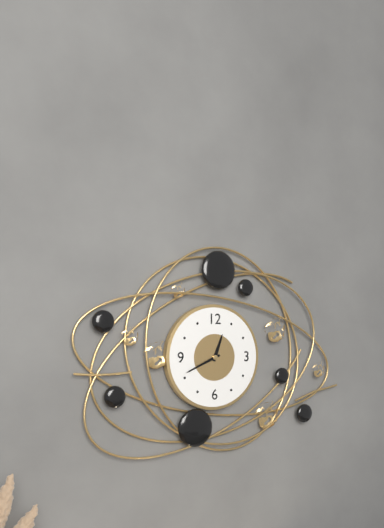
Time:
12.41
